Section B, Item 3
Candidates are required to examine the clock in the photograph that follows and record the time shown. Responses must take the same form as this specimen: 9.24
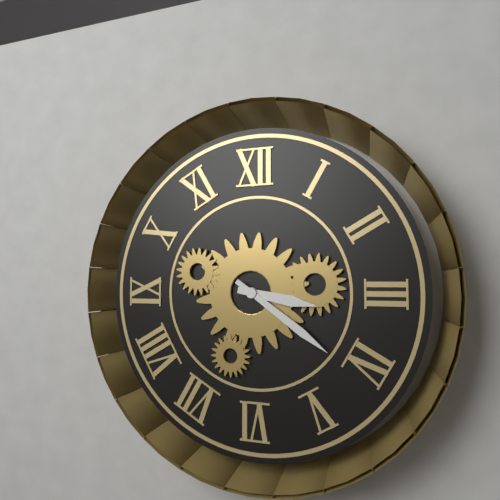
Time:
3.21
